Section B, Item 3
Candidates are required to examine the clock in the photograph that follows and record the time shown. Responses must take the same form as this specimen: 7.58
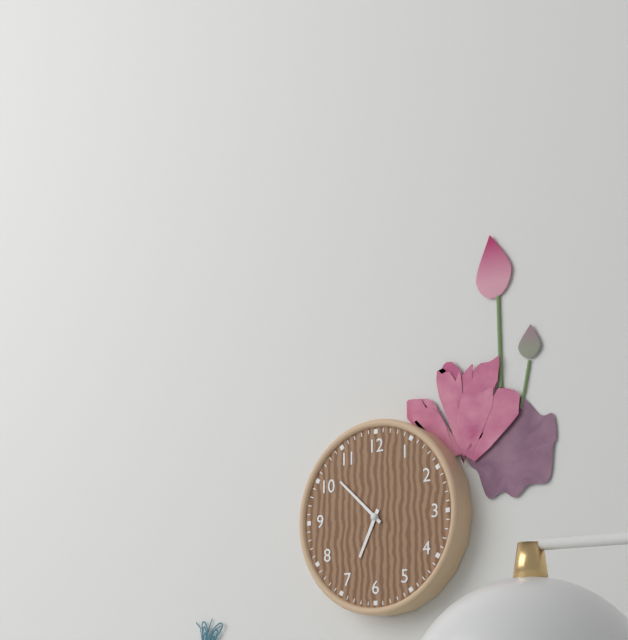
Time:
6.52
